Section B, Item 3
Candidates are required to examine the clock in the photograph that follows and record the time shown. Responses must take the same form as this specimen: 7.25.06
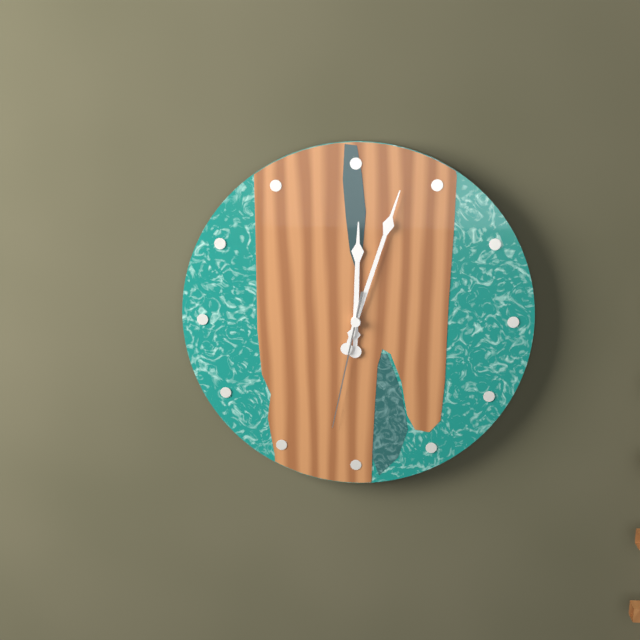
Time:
12.03.32
